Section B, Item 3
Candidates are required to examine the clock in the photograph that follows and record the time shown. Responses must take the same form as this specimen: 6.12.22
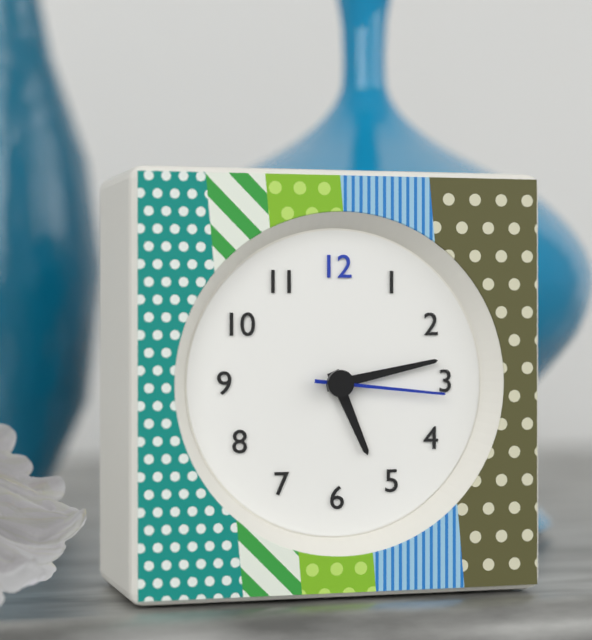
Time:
5.13.16
